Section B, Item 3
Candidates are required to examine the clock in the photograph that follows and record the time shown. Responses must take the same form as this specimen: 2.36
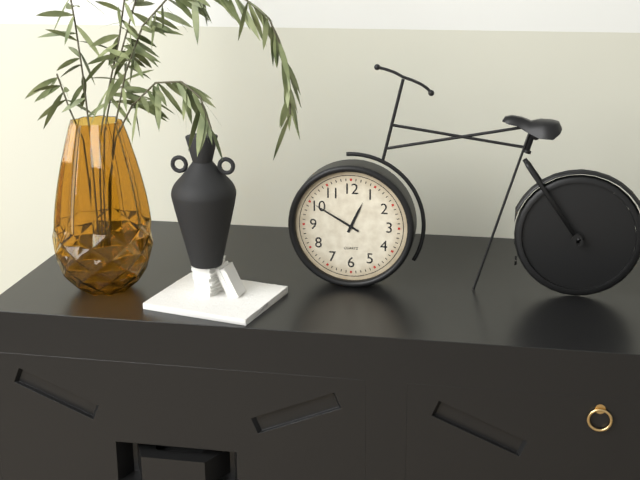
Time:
12.50
